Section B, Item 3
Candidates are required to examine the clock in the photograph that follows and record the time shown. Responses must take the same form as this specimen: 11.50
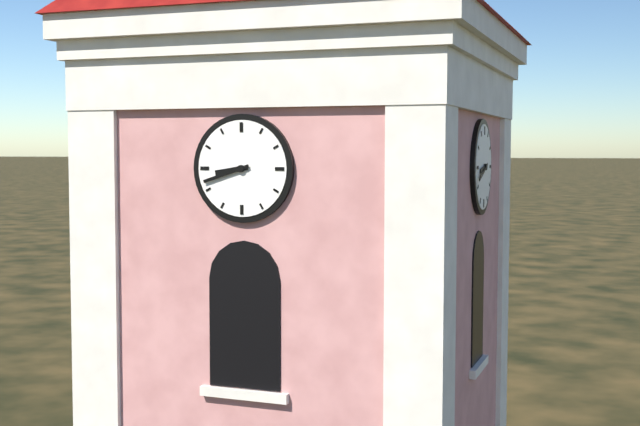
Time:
8.42
